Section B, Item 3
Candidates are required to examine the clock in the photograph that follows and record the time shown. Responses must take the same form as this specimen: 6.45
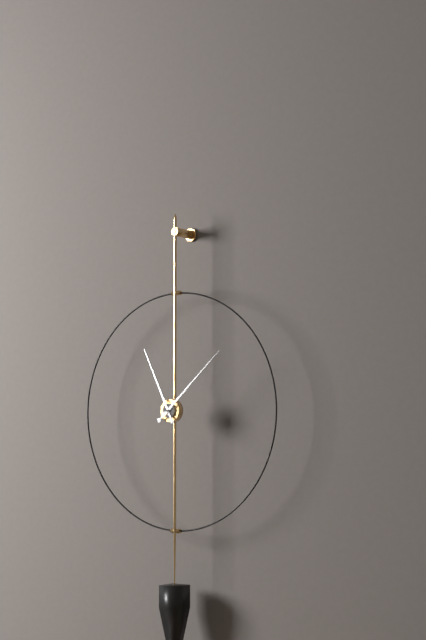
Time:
11.08
